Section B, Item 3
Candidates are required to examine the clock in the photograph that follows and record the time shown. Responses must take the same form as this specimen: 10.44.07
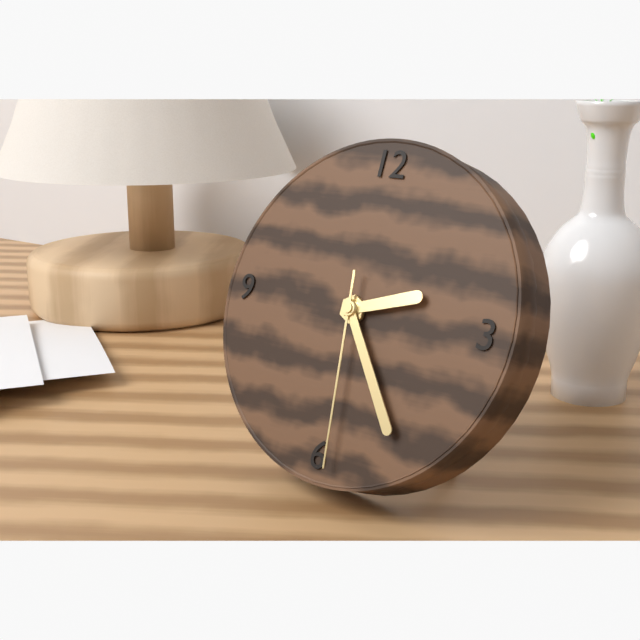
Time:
2.24.29
